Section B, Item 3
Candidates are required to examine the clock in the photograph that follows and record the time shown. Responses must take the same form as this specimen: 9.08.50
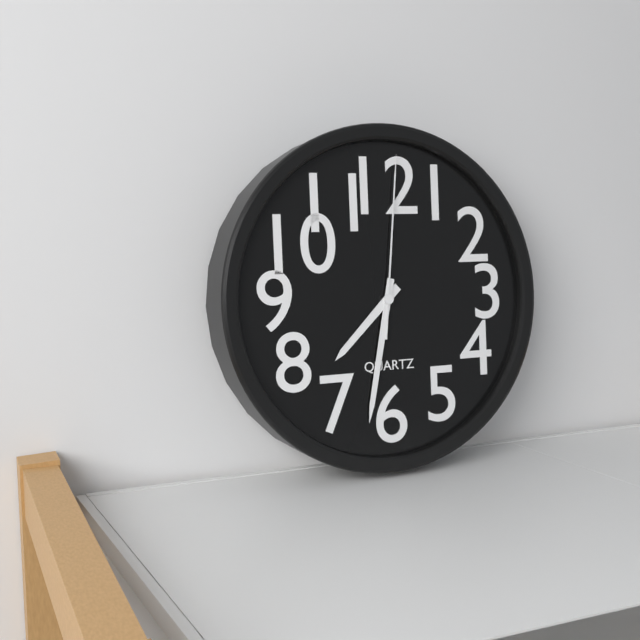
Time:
7.32.01
